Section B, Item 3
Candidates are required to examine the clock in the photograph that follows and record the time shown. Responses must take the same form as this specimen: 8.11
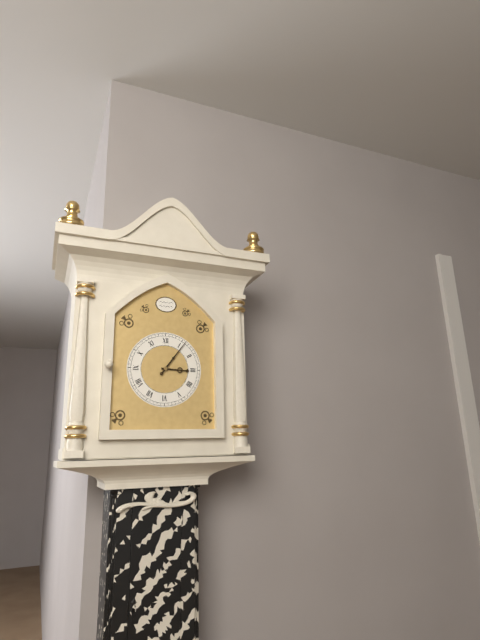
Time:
3.06
